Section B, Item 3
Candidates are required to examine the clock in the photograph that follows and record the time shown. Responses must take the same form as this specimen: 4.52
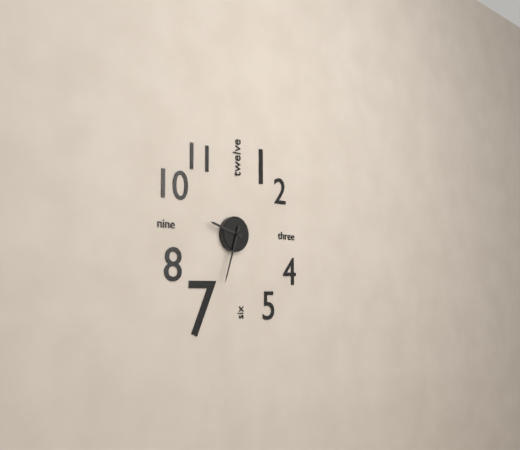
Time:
9.33
